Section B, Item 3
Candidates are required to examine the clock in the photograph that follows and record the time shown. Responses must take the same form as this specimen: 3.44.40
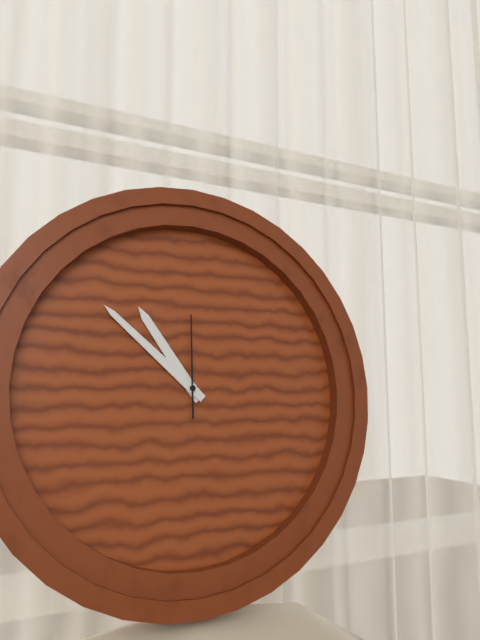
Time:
10.52.00
